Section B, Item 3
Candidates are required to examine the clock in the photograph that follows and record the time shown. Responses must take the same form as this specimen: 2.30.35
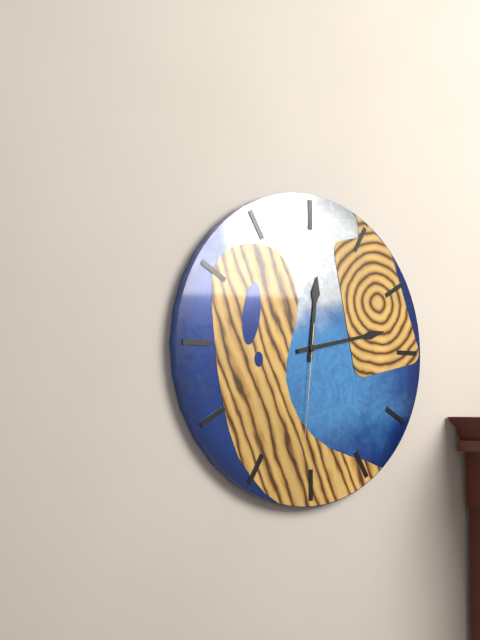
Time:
12.13.31
